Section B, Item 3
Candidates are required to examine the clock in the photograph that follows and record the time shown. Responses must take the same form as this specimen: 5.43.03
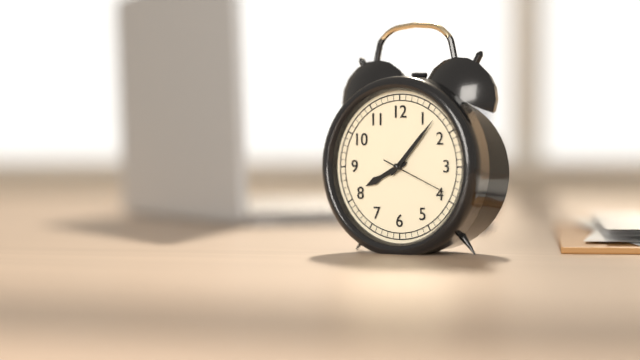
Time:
8.07.19
